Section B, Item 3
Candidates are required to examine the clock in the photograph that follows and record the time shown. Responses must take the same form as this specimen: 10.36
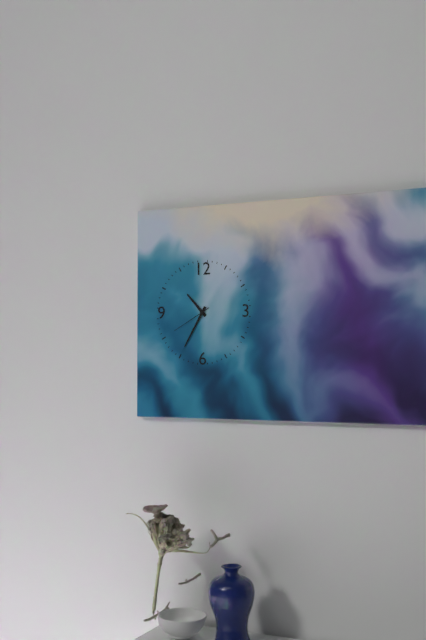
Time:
10.35
